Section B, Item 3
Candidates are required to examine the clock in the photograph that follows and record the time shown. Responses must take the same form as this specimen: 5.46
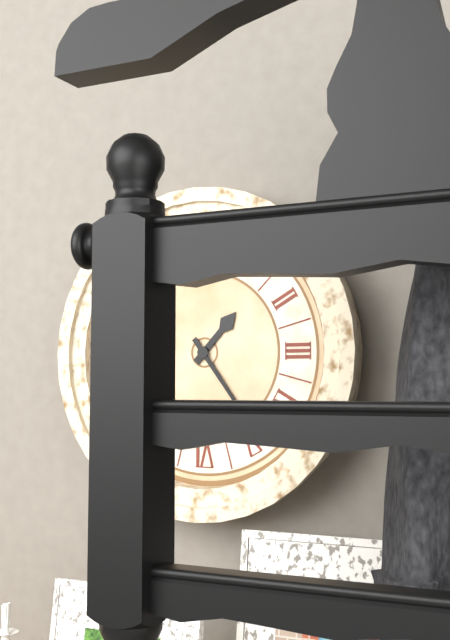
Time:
1.24
